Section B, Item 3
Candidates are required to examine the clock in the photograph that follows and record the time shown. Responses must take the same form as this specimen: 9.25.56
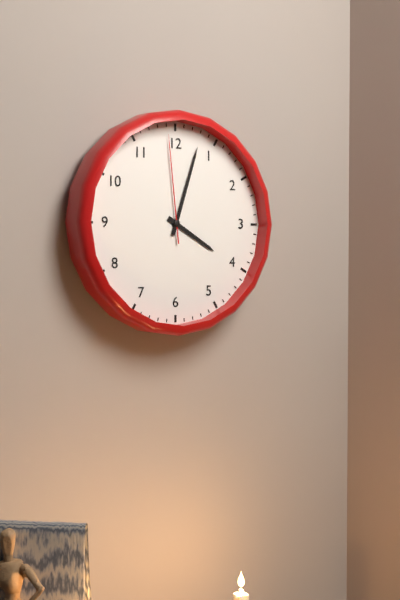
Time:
4.03.59
